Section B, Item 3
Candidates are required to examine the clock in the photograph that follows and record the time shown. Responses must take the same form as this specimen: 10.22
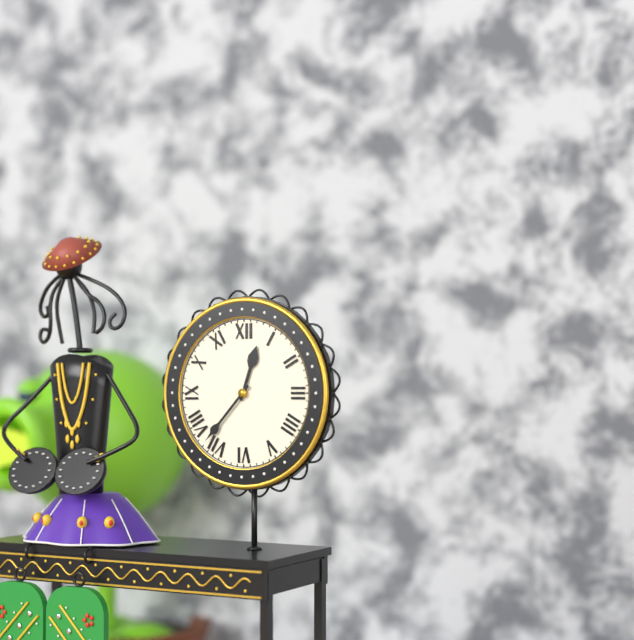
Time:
12.37
